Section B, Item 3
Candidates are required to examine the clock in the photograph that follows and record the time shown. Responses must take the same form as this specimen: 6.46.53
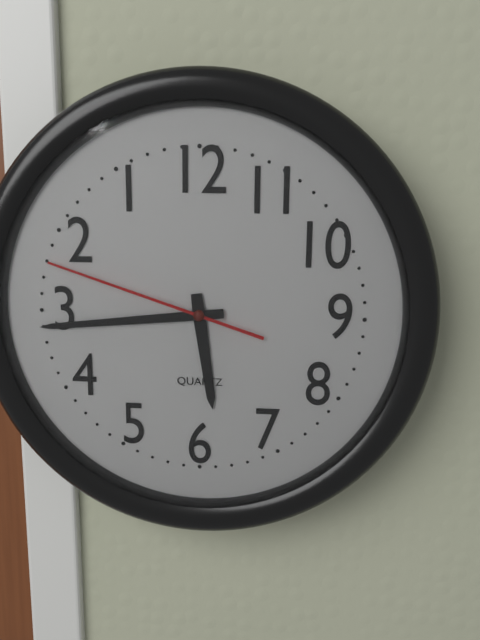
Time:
5.44.48
